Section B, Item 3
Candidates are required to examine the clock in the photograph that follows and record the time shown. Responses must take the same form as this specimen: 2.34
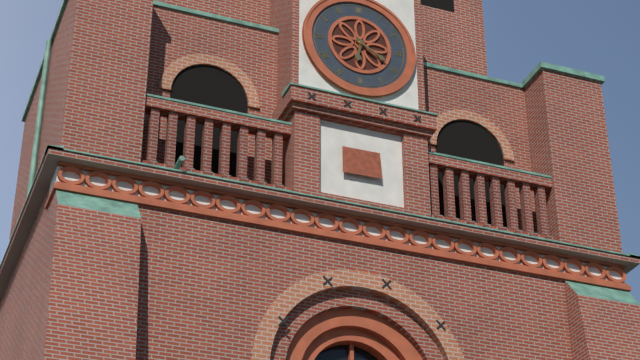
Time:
6.20
